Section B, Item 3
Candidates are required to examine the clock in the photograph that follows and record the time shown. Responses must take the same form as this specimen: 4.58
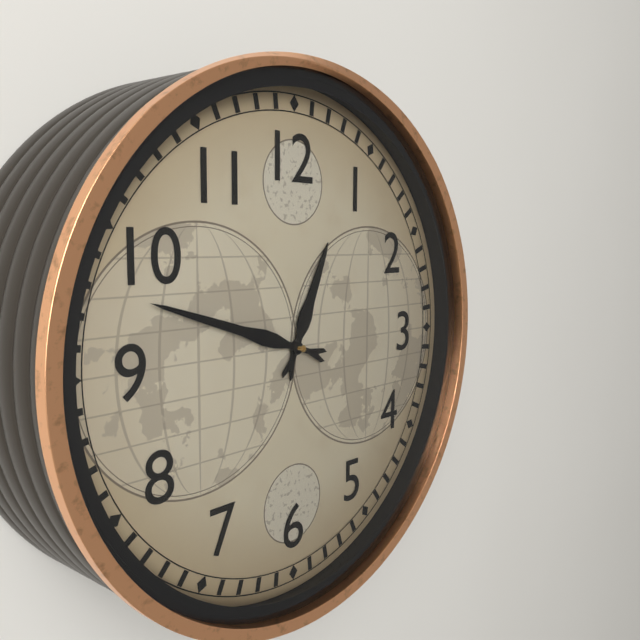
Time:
12.48
